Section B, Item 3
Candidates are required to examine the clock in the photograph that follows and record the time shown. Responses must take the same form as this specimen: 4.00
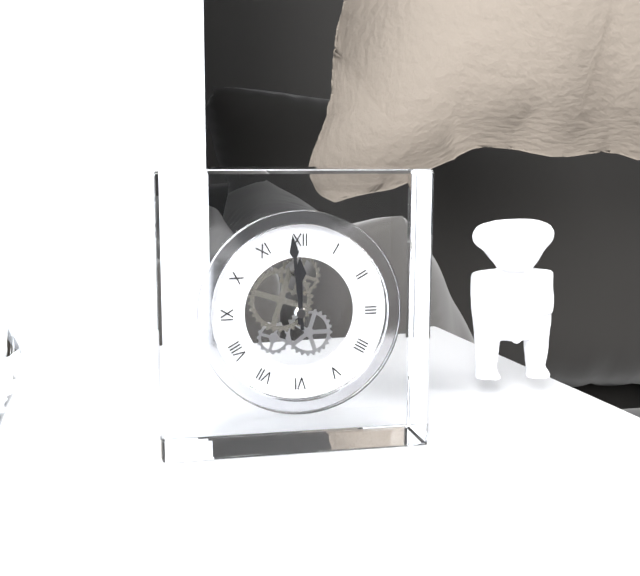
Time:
11.59
